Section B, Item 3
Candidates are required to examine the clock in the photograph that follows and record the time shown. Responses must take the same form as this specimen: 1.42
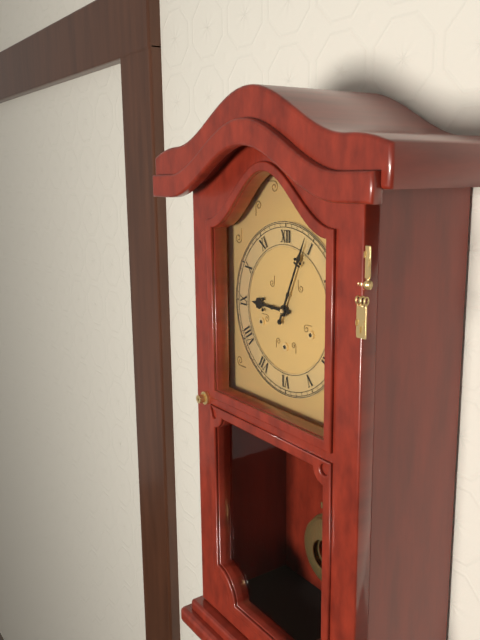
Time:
9.04
